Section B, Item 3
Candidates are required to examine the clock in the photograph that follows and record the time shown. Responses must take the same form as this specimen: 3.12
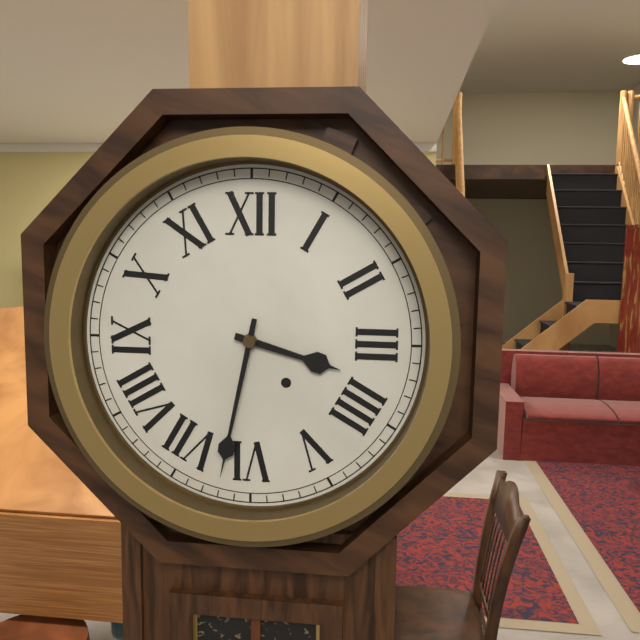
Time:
3.32
